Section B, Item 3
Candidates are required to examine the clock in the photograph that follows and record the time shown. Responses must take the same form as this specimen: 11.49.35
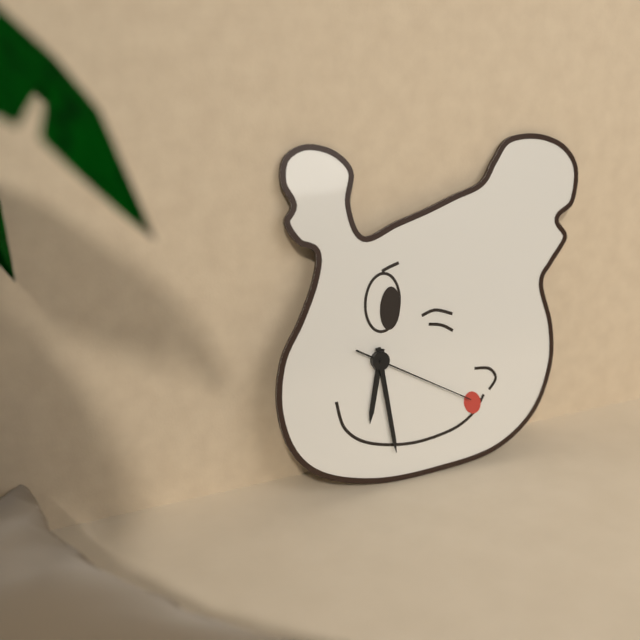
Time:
6.29.20
